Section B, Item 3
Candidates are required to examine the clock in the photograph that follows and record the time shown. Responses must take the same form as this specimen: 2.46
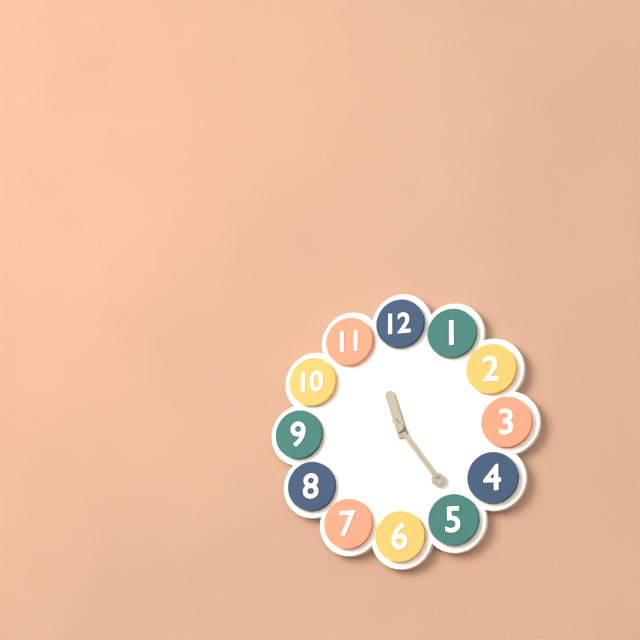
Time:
11.24
